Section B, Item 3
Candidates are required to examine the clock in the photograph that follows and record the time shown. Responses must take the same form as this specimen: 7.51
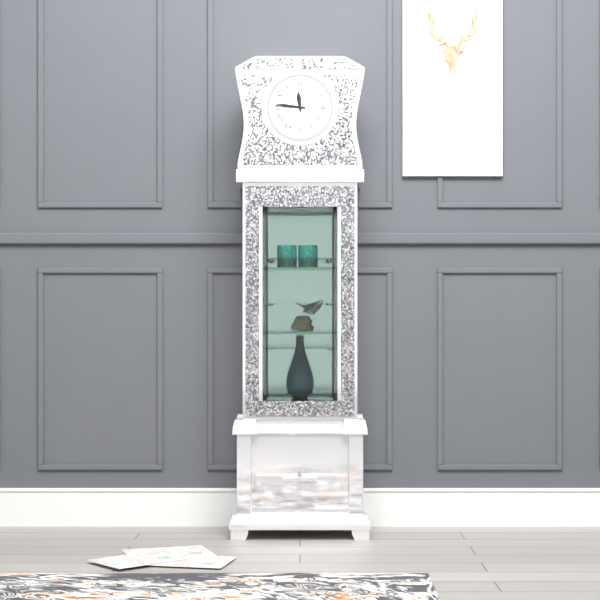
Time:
11.46
